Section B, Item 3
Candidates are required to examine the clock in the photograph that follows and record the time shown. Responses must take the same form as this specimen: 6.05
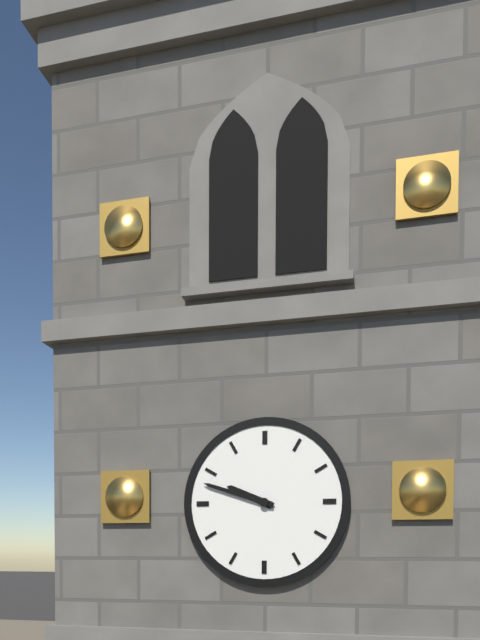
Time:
9.48
